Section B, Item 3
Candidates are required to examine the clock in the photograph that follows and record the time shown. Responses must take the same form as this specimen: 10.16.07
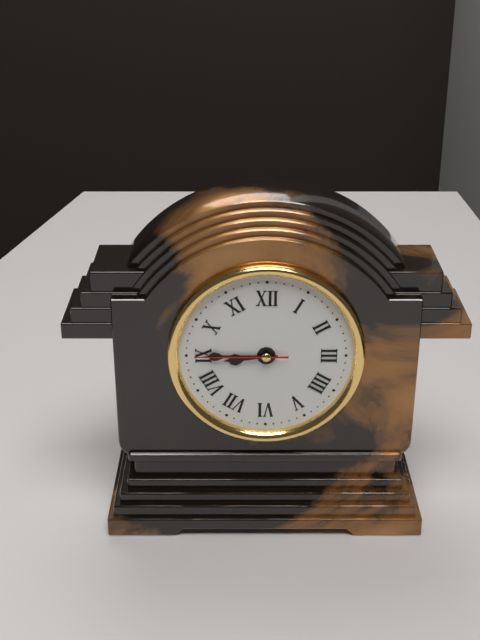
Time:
8.45.45
